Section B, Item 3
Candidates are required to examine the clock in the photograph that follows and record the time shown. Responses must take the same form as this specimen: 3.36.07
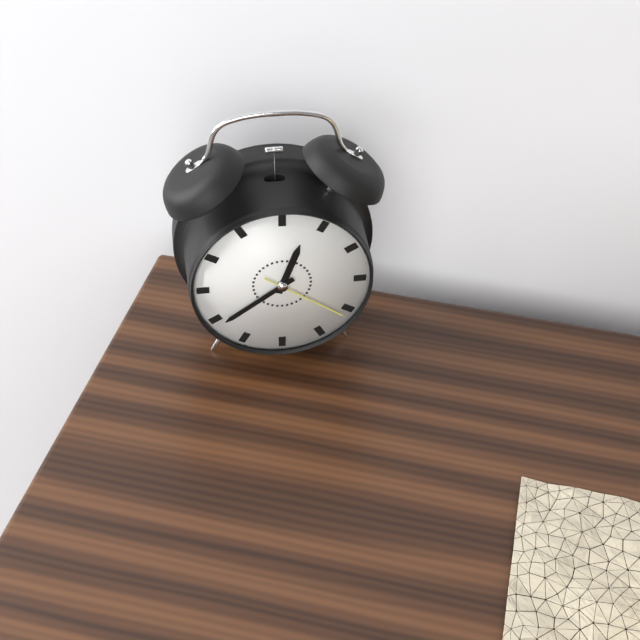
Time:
12.39.21
